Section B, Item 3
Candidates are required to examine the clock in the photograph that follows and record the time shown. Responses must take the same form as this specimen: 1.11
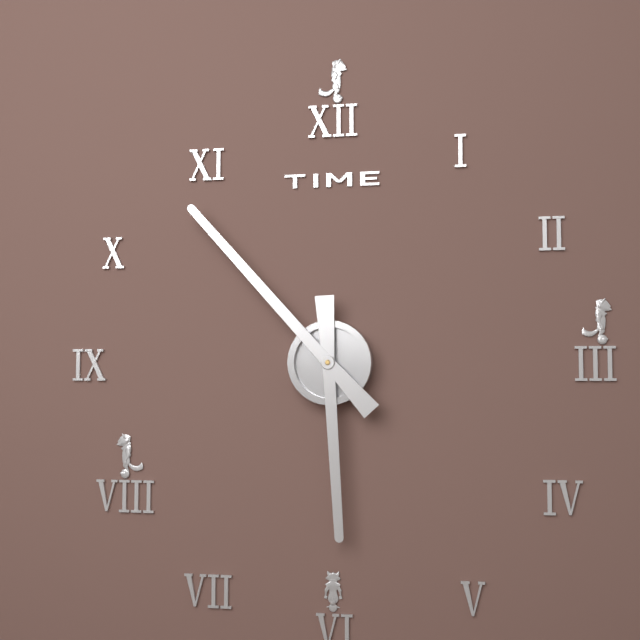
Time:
5.53
